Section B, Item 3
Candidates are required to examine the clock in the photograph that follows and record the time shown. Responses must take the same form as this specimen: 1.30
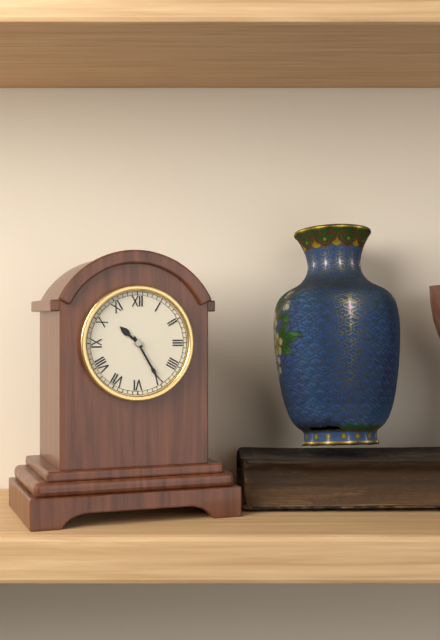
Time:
10.25
